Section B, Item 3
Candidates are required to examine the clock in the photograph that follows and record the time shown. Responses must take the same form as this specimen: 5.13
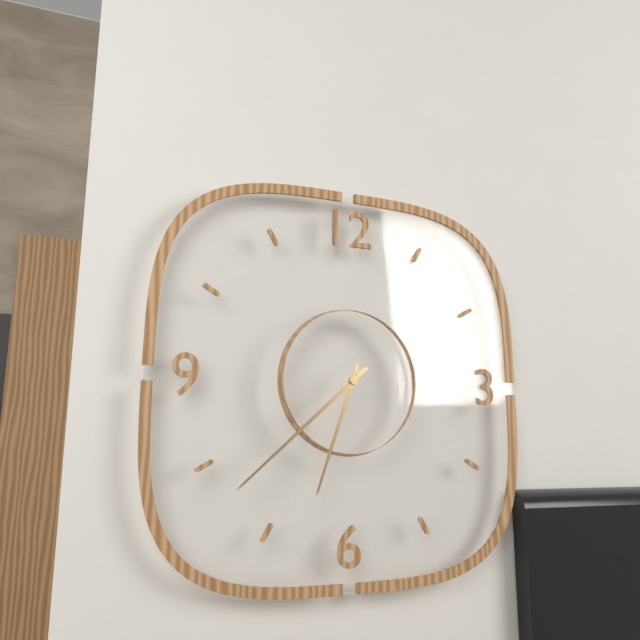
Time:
6.38
